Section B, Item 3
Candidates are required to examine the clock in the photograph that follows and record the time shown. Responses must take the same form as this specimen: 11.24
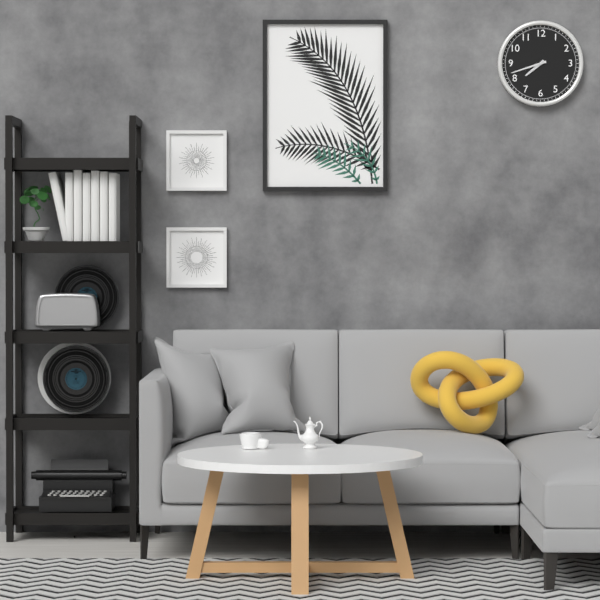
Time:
7.42
